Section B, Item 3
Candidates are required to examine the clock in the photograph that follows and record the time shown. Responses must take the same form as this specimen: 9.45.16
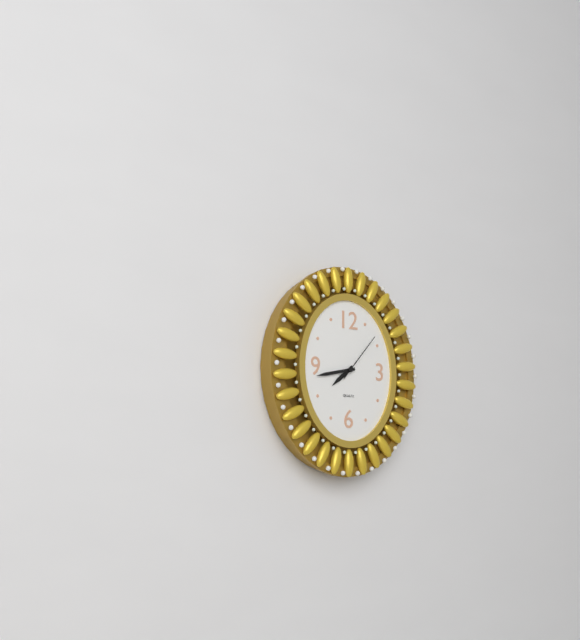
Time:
7.43.07
